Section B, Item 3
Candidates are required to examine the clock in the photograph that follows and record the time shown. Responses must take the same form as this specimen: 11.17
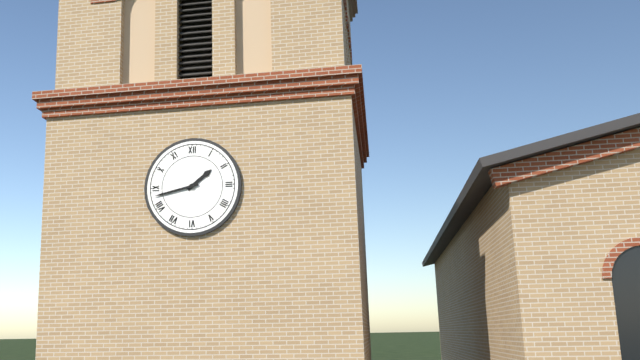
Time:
1.43
